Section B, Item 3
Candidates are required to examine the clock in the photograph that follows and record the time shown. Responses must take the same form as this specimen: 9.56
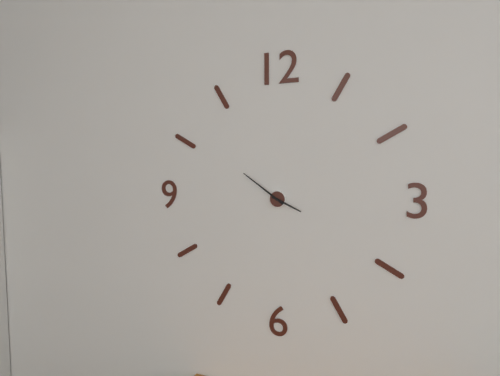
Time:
3.51
